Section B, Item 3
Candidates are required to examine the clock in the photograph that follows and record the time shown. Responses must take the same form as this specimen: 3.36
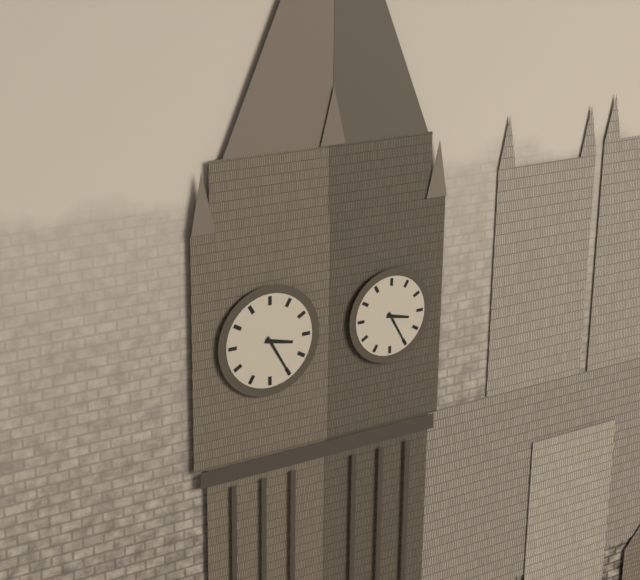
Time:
3.25
